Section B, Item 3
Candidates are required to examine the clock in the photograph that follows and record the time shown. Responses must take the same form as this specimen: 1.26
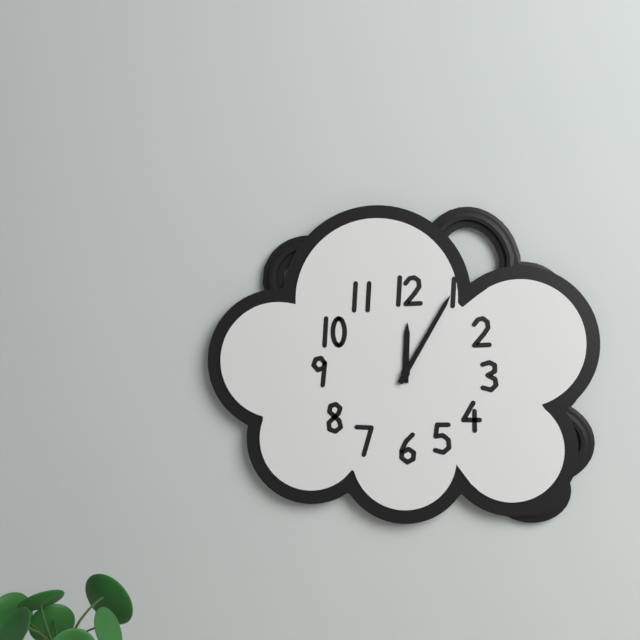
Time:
12.05
